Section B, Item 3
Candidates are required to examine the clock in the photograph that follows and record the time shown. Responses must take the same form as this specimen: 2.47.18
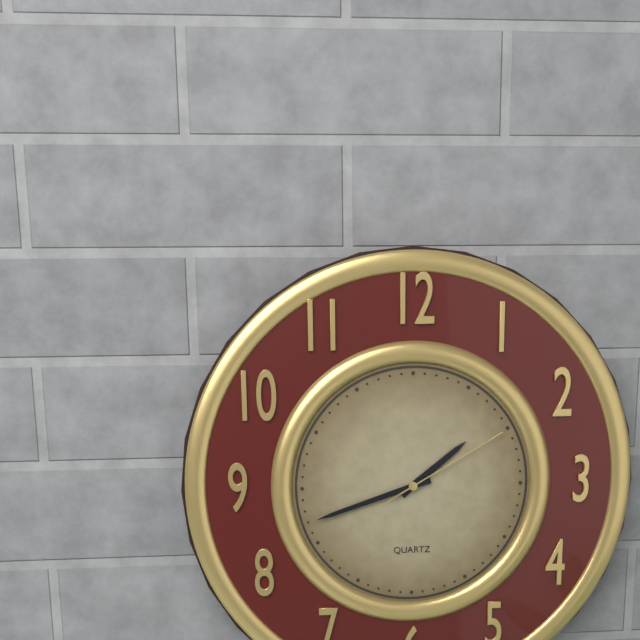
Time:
1.42.10
